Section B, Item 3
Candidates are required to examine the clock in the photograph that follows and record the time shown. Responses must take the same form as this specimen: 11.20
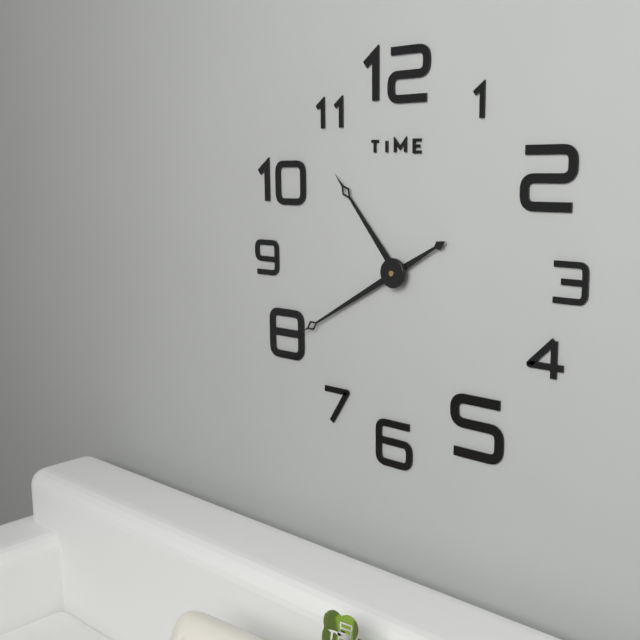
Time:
10.40
